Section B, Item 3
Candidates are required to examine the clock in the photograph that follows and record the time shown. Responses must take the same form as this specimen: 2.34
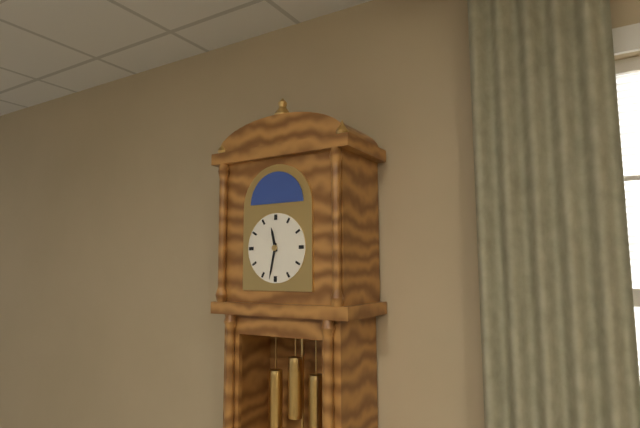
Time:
11.32
